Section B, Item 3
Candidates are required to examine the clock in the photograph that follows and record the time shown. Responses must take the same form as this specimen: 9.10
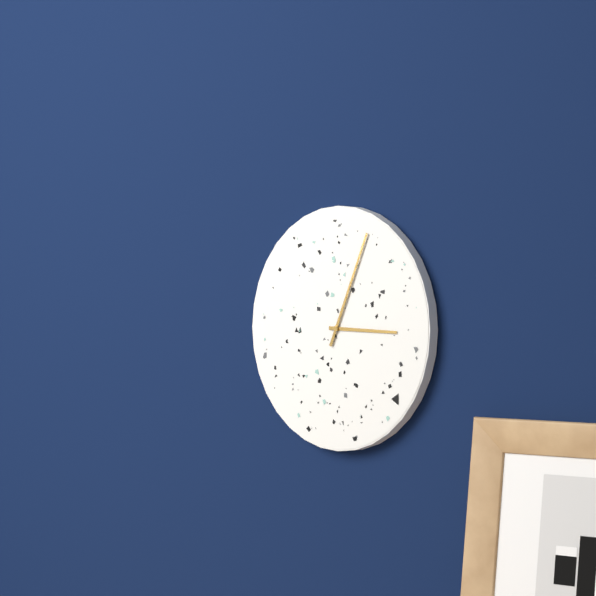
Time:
3.04
